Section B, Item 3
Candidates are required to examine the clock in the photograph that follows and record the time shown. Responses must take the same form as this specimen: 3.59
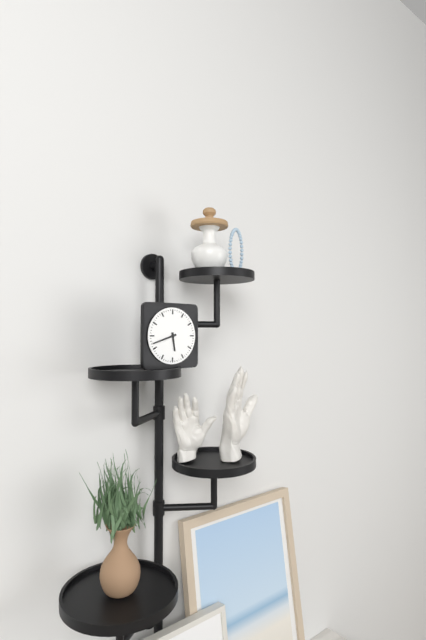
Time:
5.42
